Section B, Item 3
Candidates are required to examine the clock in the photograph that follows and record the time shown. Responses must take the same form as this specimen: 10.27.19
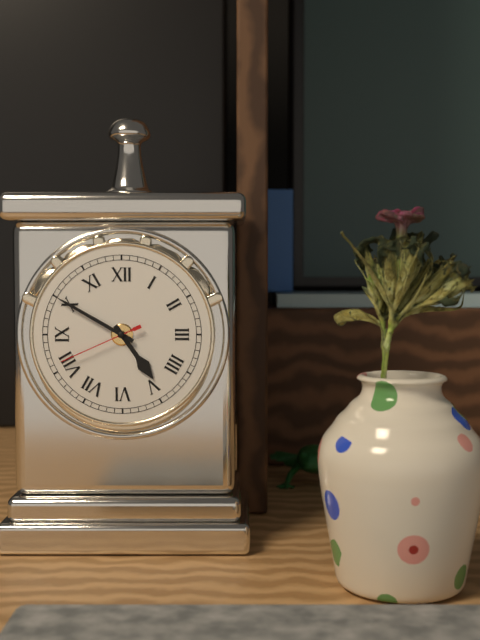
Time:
4.50.41
